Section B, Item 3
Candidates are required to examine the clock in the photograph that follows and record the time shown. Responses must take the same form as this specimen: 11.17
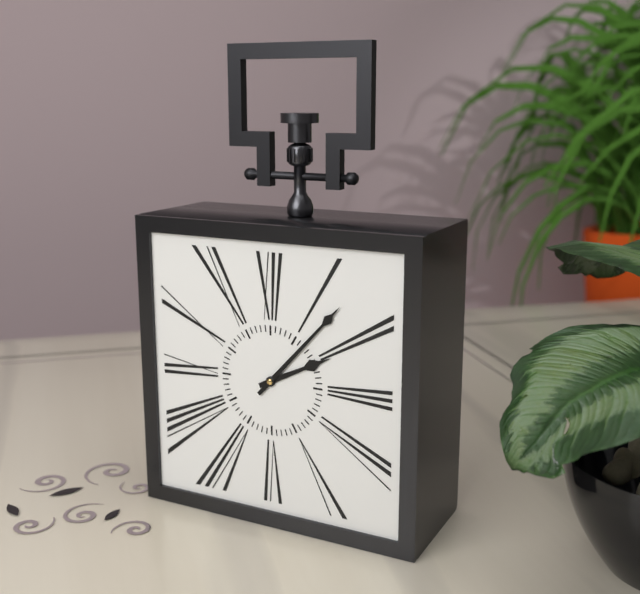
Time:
2.07
